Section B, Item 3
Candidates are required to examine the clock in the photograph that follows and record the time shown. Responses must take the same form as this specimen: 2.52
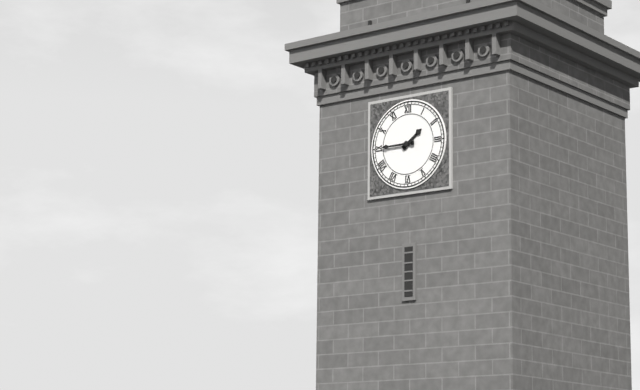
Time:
1.45
